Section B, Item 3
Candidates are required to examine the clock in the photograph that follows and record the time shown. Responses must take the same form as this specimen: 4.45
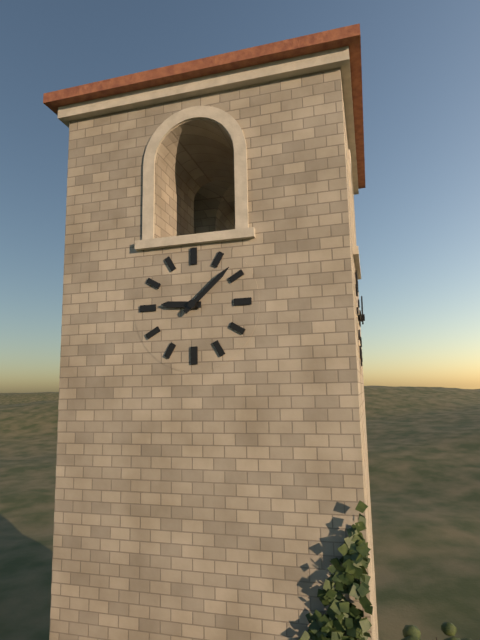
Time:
9.08
